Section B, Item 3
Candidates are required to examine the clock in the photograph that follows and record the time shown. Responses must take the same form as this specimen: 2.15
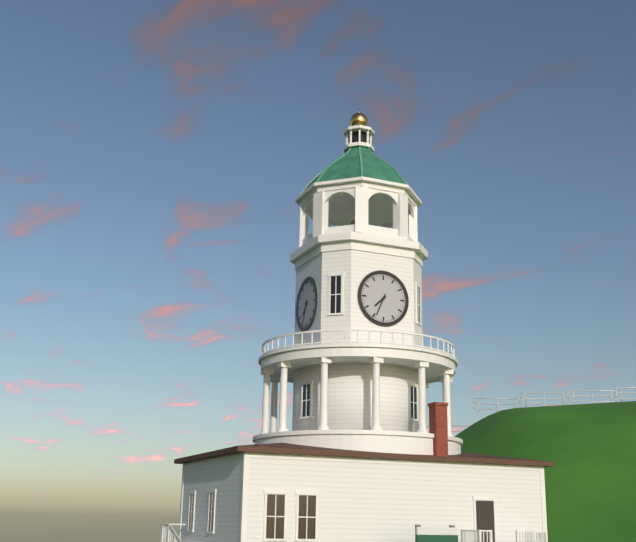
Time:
7.34
